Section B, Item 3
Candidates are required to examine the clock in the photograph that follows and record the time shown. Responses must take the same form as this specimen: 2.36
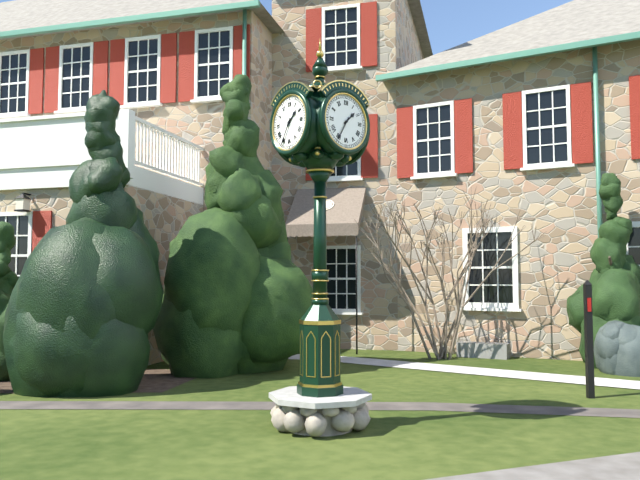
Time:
1.35
